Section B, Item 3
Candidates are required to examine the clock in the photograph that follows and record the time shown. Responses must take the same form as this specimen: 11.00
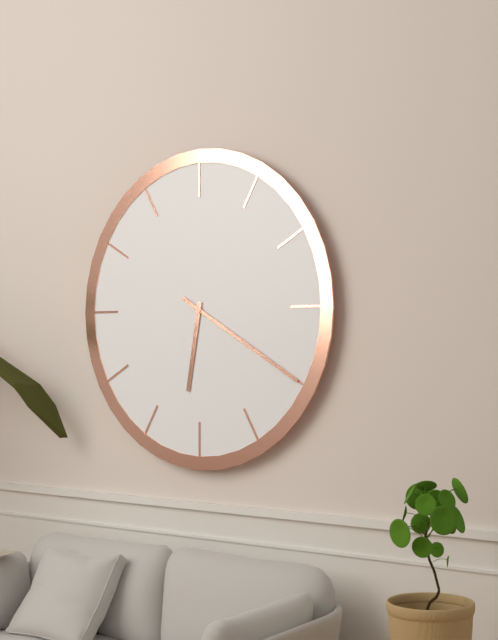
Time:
6.20
